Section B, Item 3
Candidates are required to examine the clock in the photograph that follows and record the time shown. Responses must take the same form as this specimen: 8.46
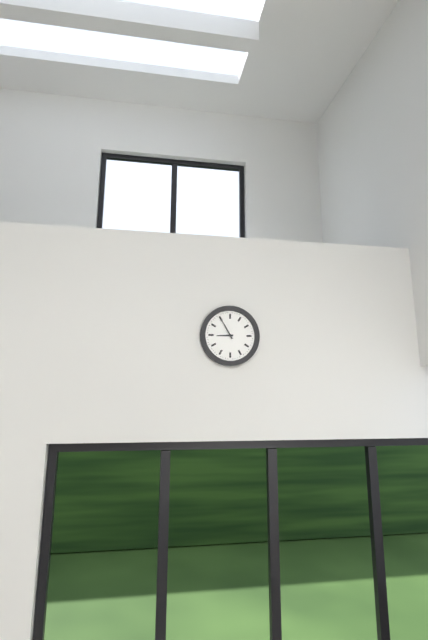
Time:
8.55
